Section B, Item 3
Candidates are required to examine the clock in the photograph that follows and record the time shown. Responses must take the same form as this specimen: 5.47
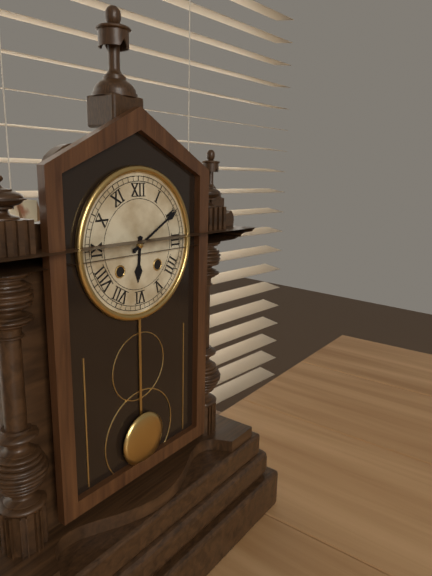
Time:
6.10
